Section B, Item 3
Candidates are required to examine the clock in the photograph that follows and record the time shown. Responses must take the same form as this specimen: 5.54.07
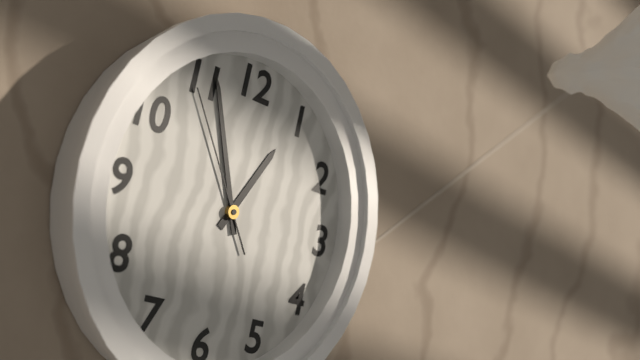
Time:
12.56.54
